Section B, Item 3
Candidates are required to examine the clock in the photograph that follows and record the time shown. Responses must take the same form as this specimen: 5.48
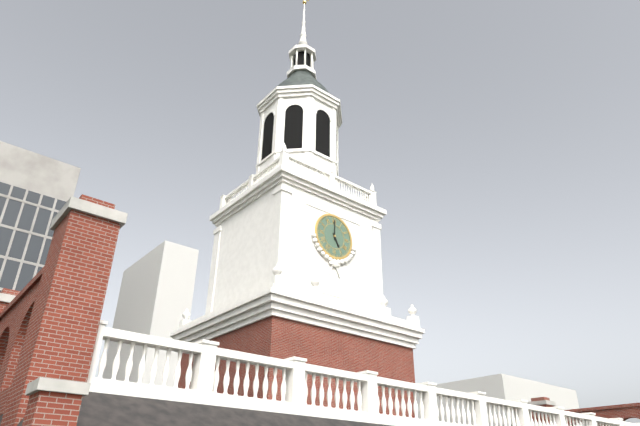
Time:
5.00
